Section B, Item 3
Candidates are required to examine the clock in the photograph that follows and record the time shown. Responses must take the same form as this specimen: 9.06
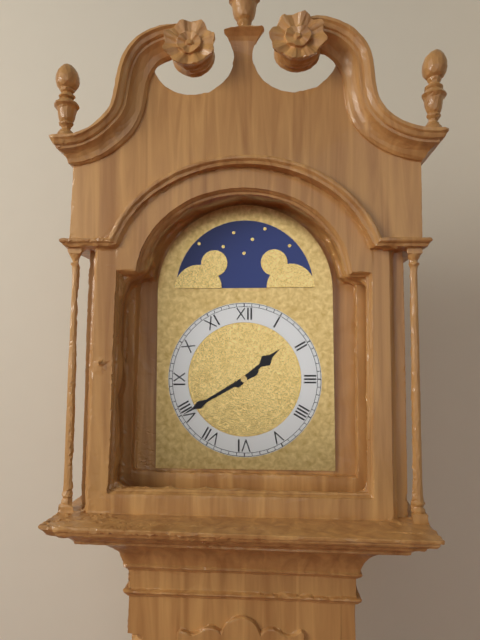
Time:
1.40
